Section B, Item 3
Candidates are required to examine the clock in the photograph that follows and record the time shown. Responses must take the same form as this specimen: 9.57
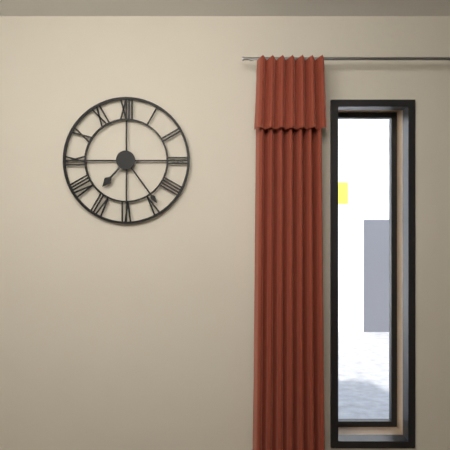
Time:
7.24
